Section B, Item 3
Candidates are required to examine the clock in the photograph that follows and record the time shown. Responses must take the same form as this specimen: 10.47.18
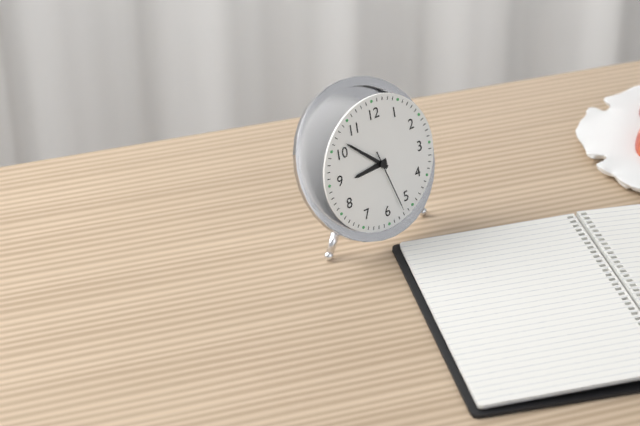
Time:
8.52.27
